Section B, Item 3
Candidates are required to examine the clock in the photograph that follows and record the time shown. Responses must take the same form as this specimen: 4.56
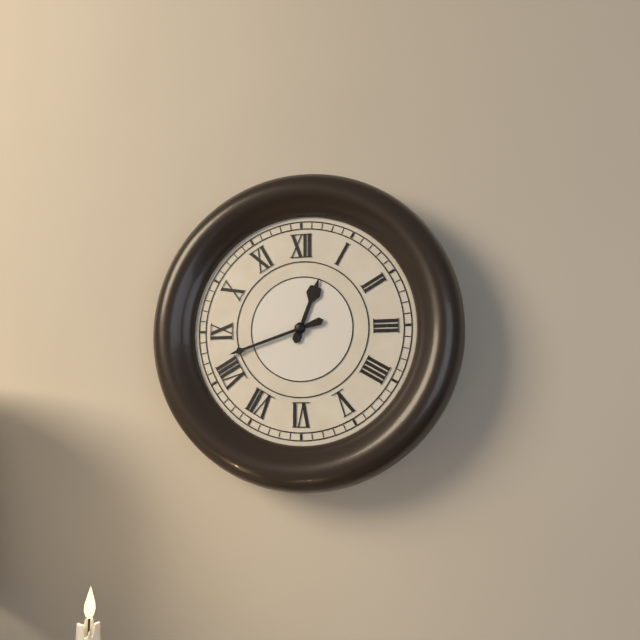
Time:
12.42
